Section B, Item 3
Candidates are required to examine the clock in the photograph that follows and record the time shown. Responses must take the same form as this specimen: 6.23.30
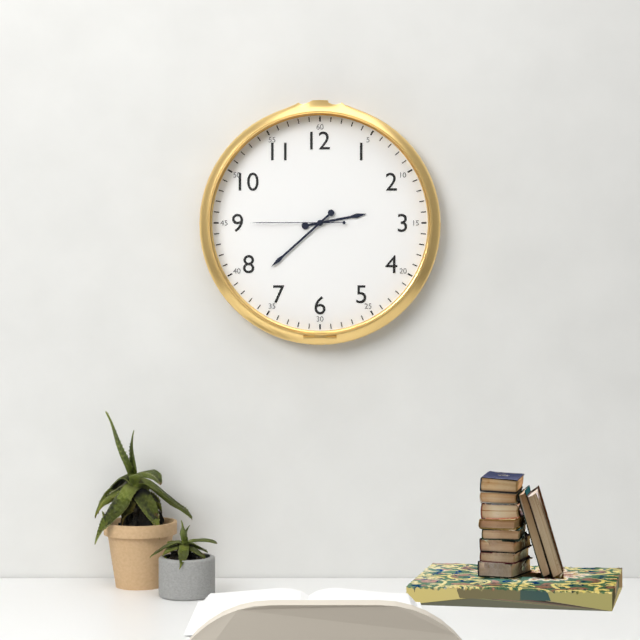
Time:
2.38.45
